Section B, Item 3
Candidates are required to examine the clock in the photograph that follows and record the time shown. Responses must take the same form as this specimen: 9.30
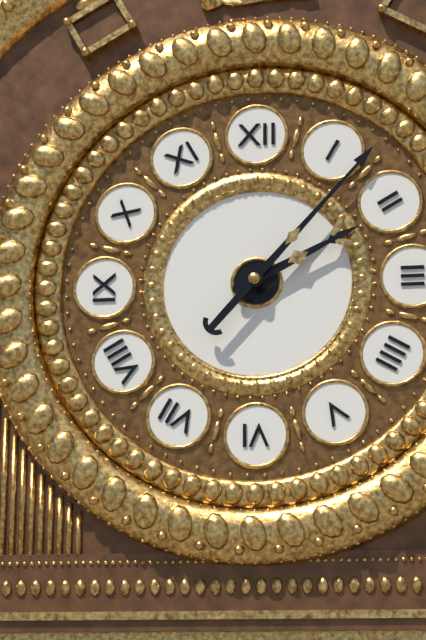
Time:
2.07
